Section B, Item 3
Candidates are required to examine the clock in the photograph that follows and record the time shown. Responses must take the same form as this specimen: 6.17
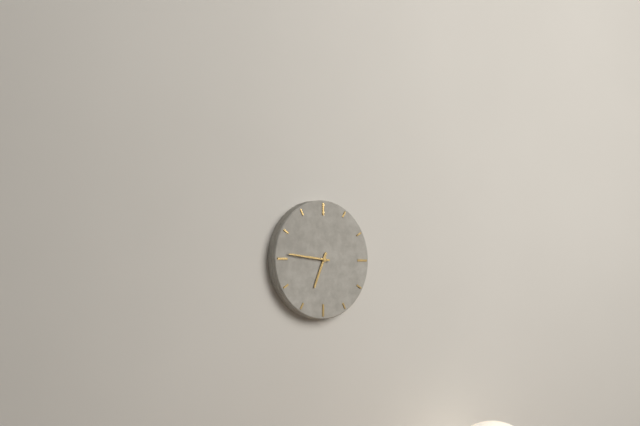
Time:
6.46
